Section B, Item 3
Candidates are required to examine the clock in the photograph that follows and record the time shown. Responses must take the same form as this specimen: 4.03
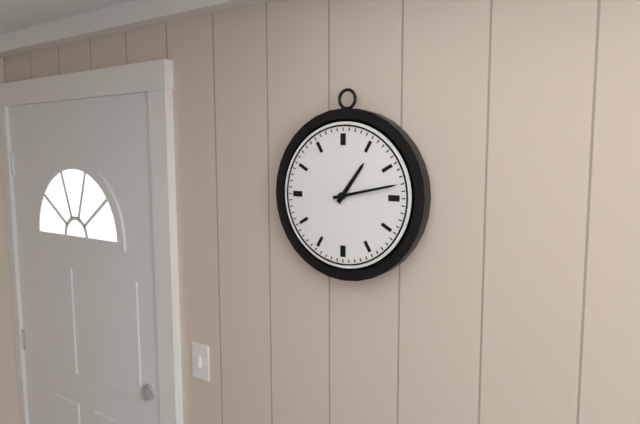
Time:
1.13
